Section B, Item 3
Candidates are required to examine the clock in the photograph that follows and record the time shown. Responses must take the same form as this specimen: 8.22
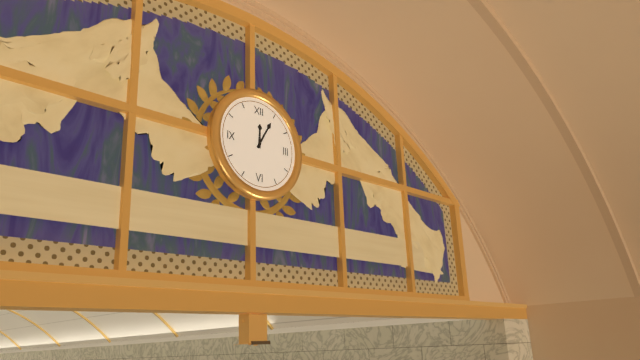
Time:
12.05
